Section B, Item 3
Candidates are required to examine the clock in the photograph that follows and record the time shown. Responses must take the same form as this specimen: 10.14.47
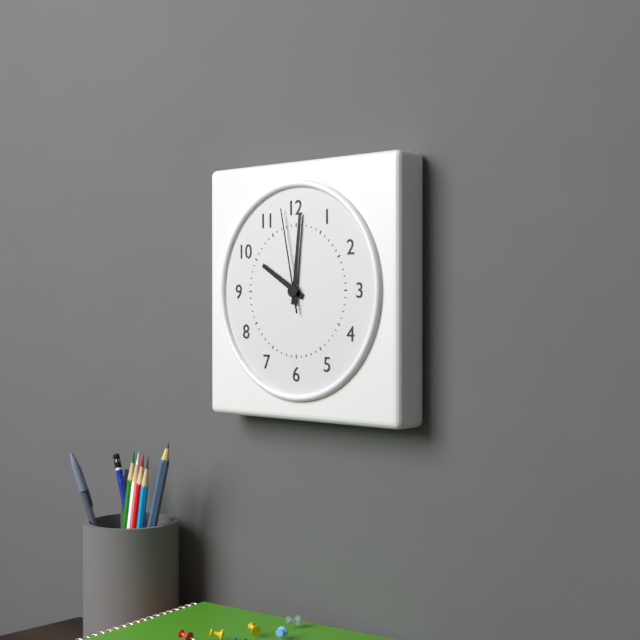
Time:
10.01.58
